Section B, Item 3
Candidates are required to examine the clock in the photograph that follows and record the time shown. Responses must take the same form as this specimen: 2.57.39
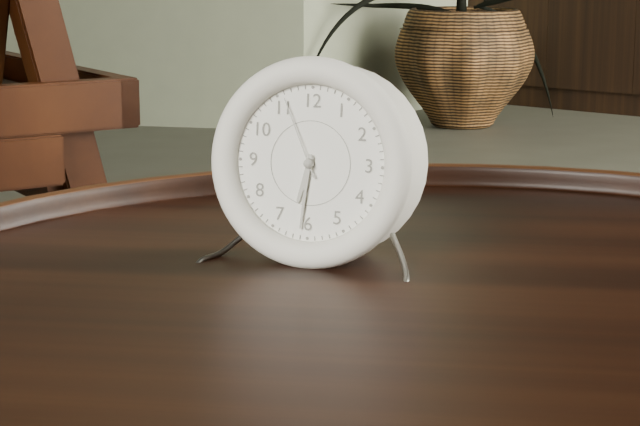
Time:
6.31.56
